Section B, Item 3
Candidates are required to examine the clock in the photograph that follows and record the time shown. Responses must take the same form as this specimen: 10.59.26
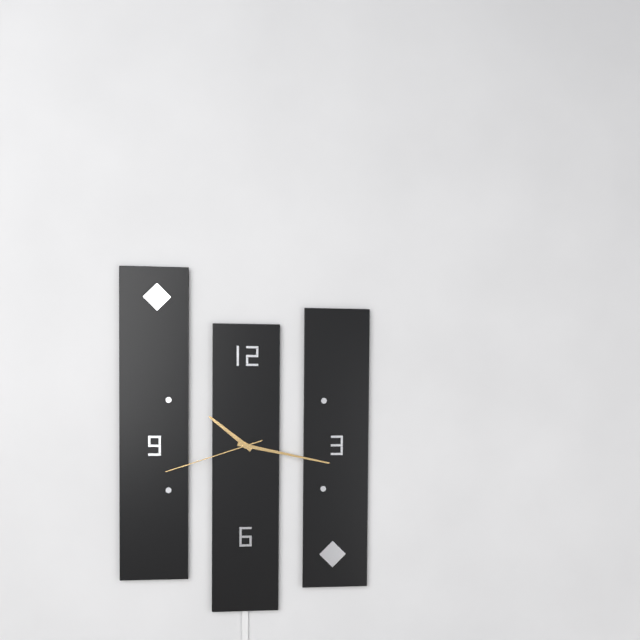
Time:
10.17.42
